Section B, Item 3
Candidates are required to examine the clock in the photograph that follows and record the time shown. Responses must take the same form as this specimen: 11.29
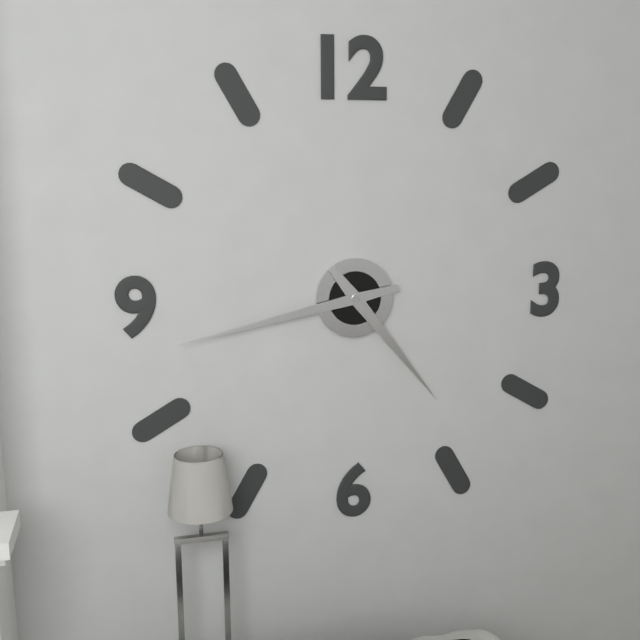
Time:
4.43
